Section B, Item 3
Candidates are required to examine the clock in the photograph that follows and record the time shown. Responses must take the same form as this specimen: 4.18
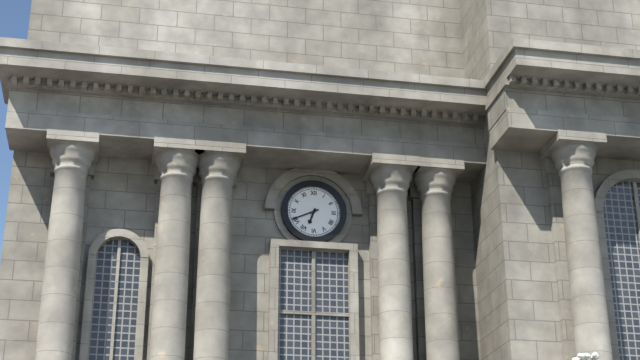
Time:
6.41
